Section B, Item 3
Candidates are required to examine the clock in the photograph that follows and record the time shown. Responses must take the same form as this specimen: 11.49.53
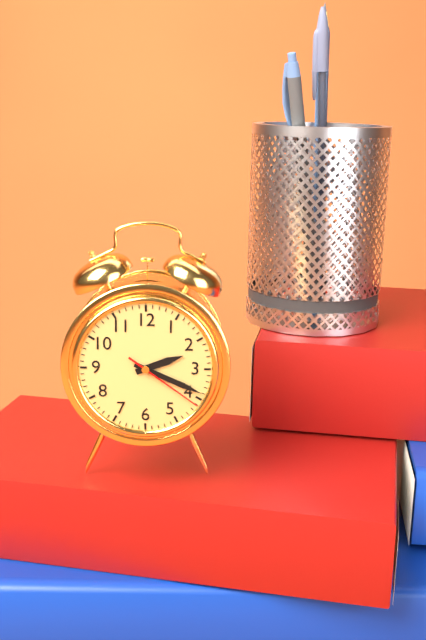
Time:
2.19.21
